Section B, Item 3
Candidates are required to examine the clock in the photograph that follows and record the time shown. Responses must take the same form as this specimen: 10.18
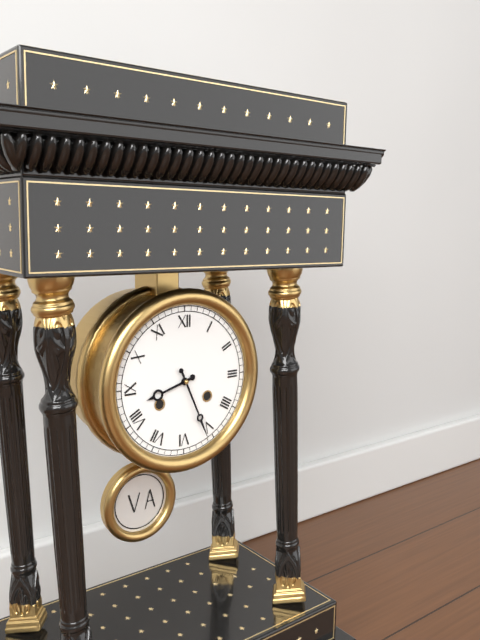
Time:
8.26
